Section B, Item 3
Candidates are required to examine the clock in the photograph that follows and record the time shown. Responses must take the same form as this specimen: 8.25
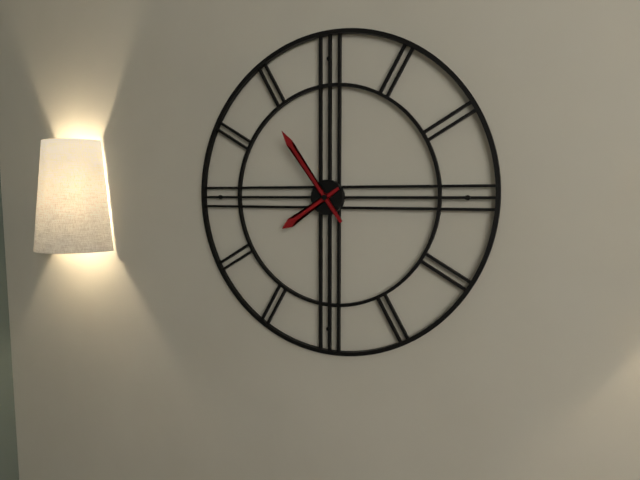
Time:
7.54
